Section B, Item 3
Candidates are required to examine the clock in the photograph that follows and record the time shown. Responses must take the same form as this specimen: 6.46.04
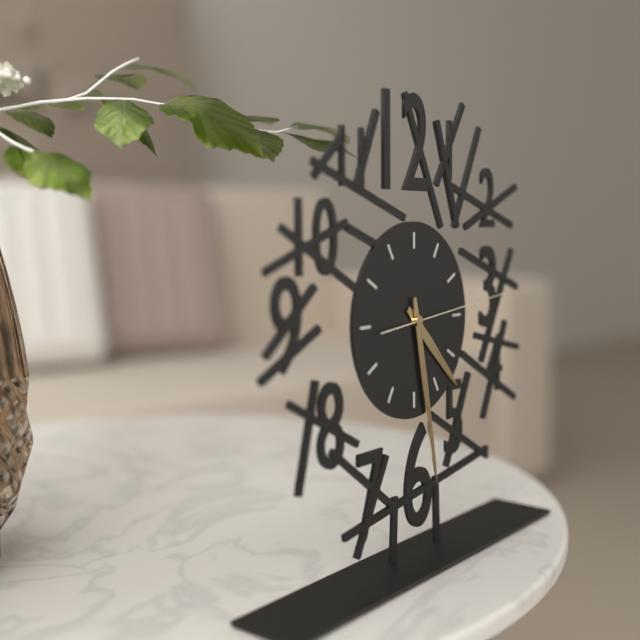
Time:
4.28.14
